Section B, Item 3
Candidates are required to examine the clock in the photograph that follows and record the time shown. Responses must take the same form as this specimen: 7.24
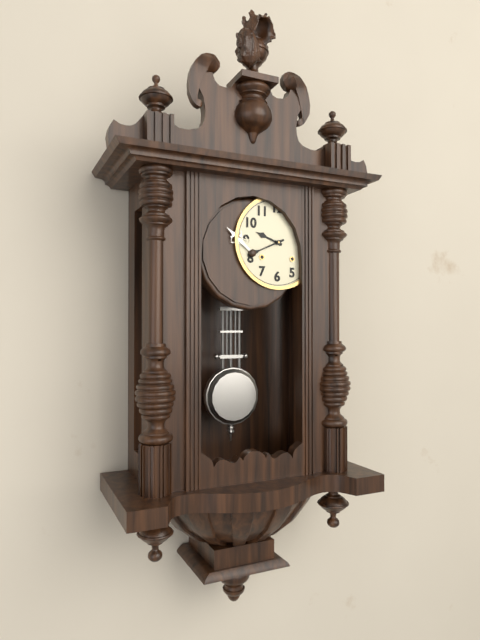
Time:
9.41
